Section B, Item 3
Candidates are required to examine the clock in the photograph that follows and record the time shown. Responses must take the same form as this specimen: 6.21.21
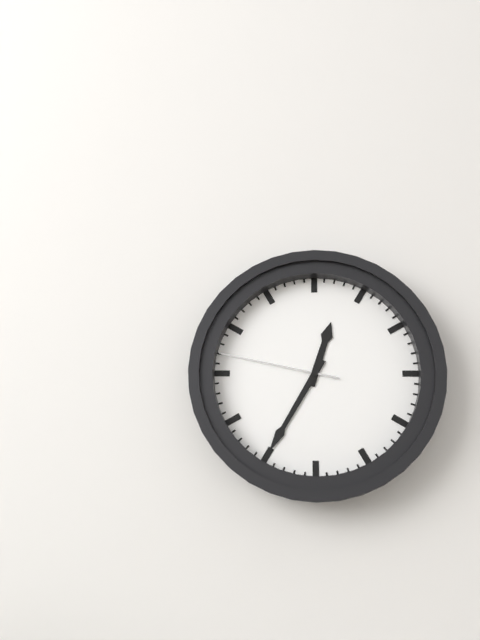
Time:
12.35.47
